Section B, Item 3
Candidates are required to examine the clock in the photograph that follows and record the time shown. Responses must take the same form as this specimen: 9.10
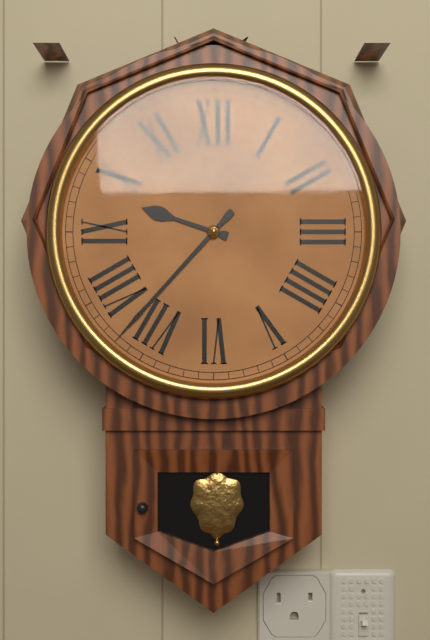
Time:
9.37
